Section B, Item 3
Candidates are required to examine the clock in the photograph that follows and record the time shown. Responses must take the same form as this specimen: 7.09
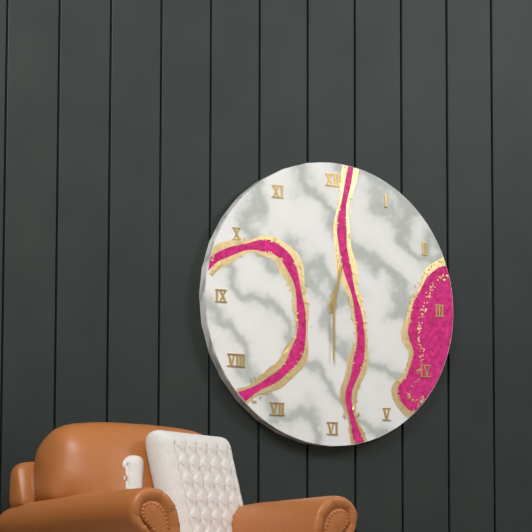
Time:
12.30
